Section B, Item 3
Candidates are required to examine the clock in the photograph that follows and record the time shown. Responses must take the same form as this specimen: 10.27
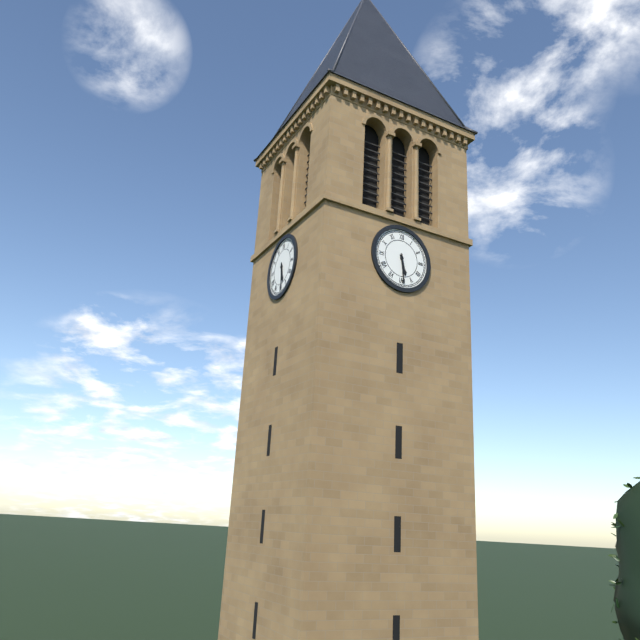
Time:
5.29
